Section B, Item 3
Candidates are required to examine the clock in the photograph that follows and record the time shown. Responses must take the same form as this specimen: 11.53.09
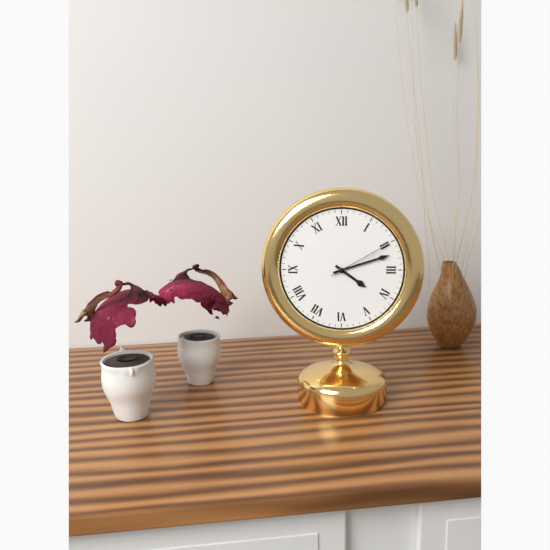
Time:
4.12.10
